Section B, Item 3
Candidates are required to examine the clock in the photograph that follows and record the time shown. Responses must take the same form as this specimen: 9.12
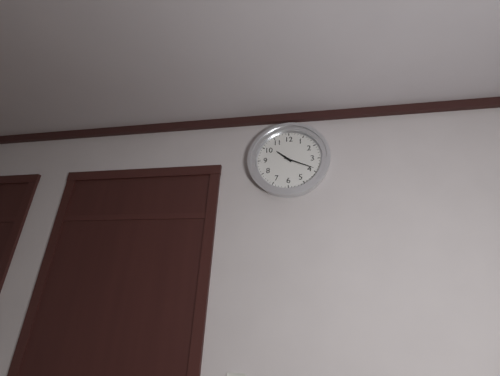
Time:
10.19
